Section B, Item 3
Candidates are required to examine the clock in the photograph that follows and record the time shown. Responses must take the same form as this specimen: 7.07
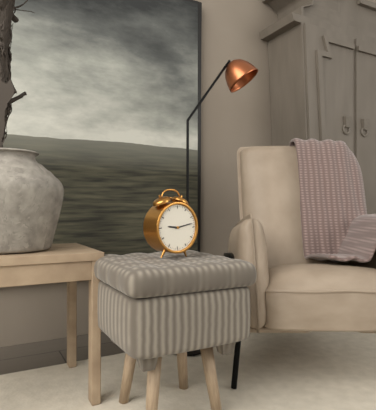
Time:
9.13
